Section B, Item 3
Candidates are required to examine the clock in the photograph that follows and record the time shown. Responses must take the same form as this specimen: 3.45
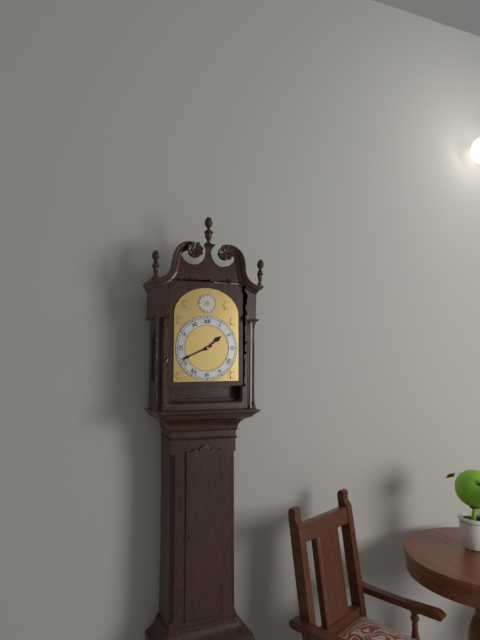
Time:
1.41
